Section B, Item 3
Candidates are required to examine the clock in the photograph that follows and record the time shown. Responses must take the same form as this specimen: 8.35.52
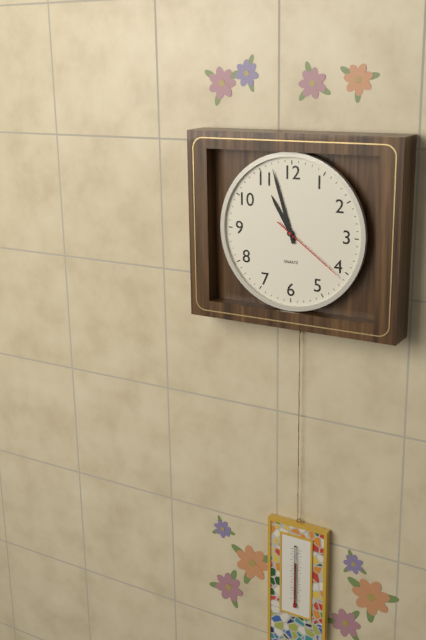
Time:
10.57.21
